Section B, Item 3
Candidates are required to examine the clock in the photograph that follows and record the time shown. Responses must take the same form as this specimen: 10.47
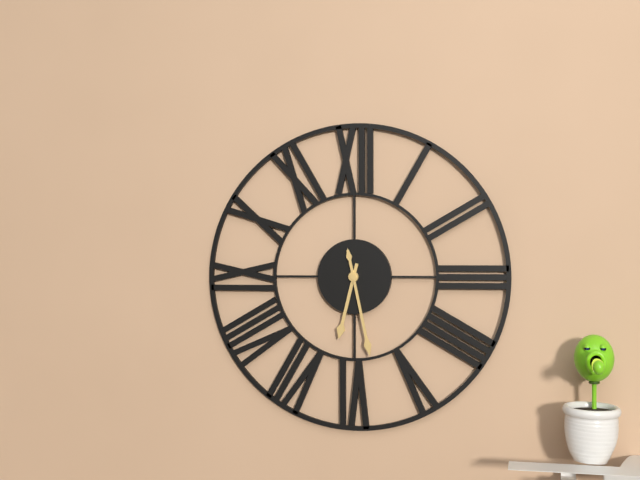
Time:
6.28
